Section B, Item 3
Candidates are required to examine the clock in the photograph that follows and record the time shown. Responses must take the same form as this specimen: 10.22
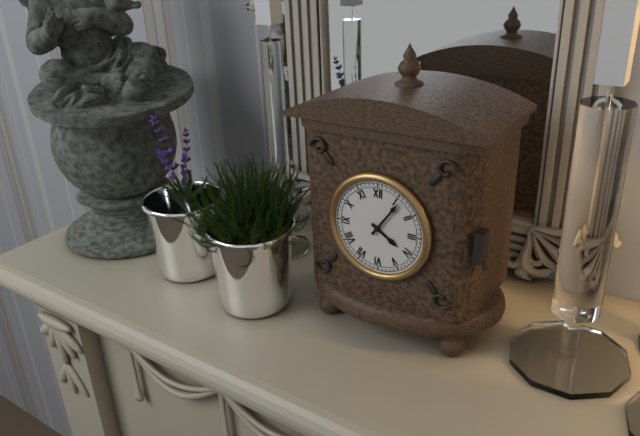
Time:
4.06
